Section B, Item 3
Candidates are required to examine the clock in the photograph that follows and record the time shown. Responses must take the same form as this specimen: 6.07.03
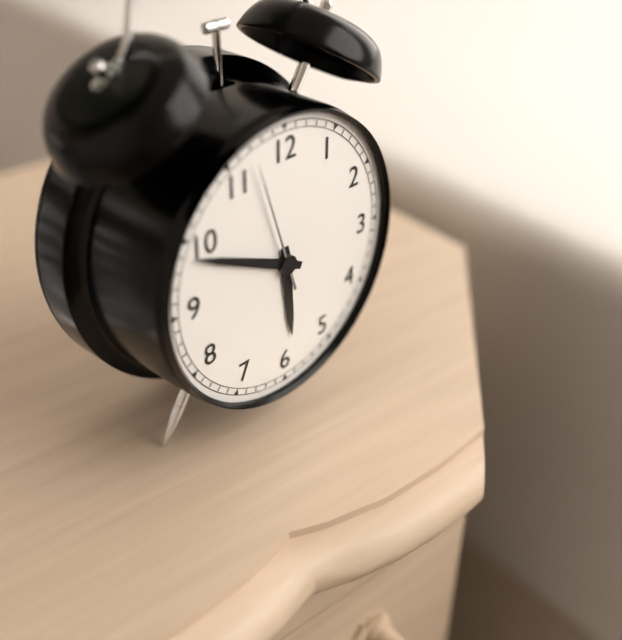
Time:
5.49.57
